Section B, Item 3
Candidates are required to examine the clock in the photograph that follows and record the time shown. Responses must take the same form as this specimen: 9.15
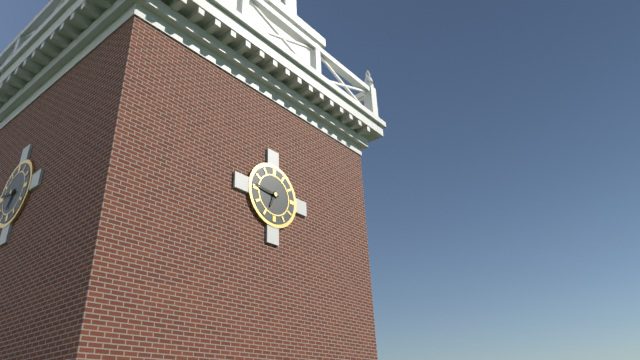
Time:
6.46
